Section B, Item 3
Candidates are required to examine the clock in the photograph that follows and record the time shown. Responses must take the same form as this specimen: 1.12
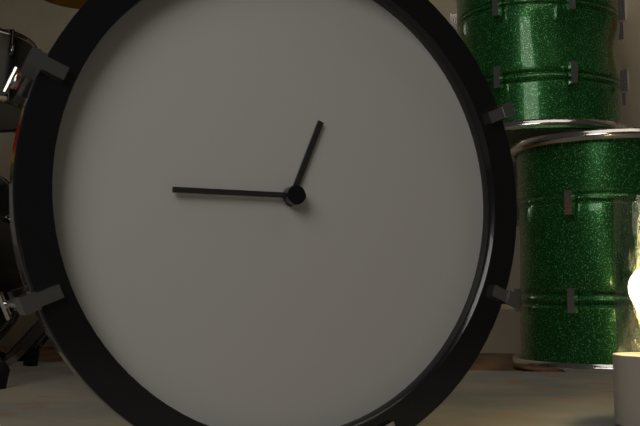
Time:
12.45
